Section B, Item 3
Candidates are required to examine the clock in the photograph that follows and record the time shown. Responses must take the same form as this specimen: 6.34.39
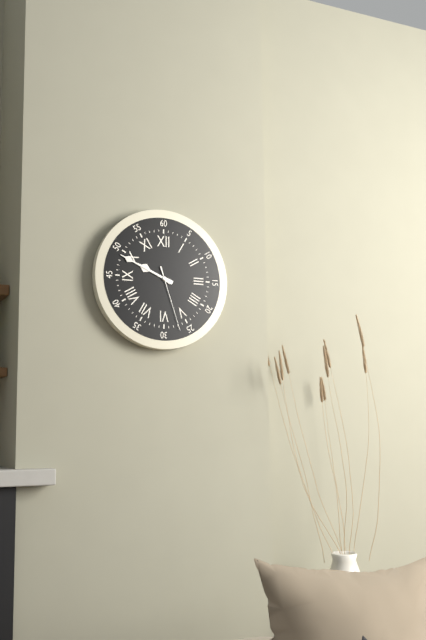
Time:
9.49.27
